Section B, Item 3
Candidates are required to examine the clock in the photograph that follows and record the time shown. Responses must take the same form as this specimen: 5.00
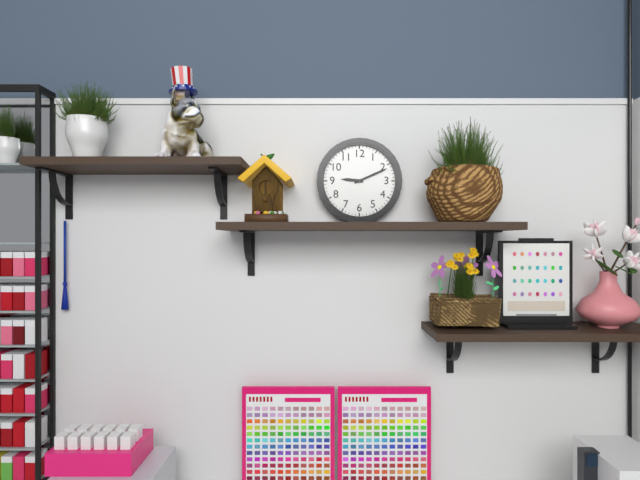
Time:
9.11
